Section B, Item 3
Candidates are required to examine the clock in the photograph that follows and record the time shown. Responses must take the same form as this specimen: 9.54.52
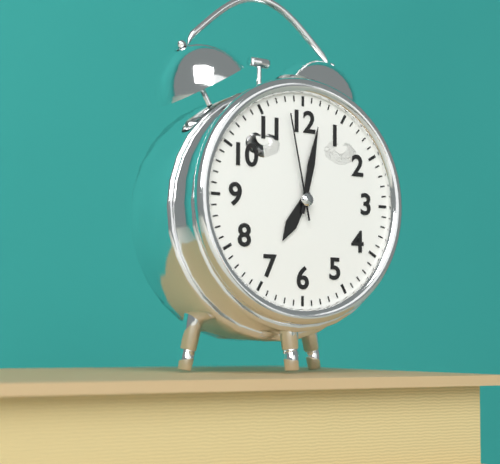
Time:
7.02.58
